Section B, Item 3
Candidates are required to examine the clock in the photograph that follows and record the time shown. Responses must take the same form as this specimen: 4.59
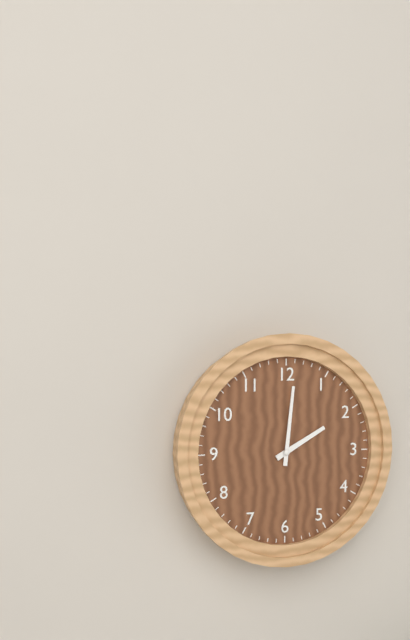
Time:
2.01
